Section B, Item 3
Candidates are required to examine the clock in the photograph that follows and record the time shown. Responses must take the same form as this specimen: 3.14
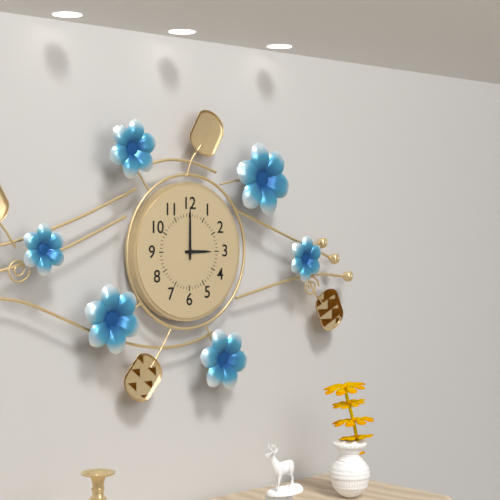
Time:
3.00
